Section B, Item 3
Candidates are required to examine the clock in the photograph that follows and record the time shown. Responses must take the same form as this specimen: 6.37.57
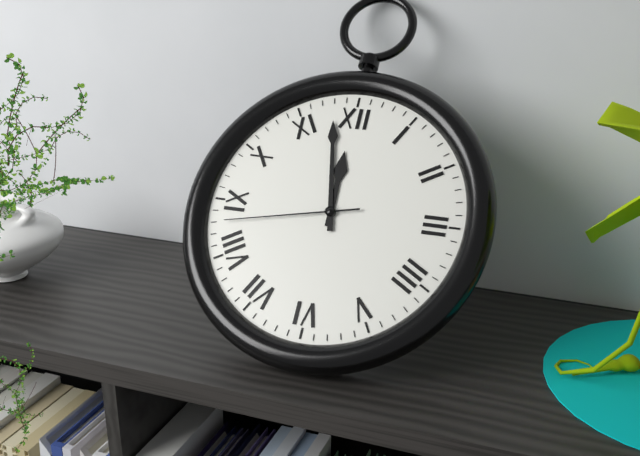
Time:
11.58.43
